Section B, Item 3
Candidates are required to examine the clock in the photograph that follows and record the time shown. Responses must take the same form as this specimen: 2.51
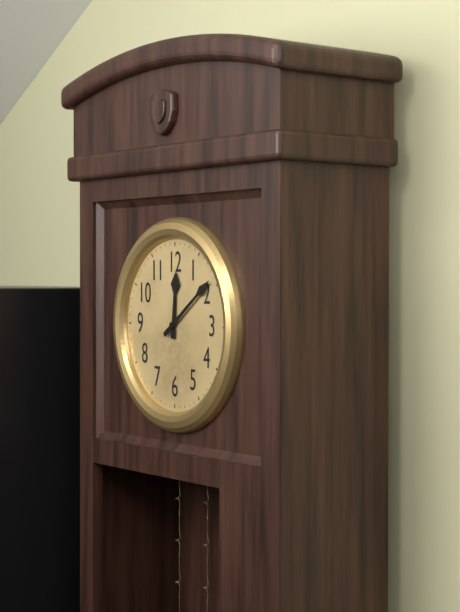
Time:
12.09
